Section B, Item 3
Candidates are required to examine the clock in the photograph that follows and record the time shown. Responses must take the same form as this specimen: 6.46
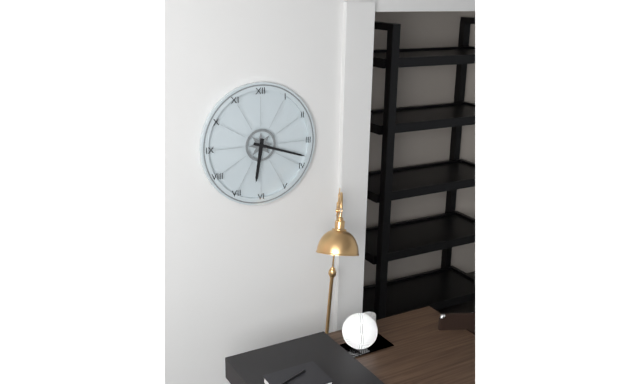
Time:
6.18
